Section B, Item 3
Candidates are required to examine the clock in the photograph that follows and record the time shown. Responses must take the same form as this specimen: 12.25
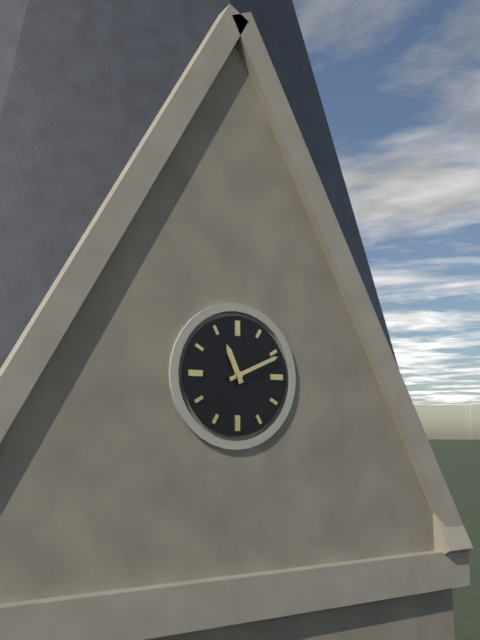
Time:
11.11
